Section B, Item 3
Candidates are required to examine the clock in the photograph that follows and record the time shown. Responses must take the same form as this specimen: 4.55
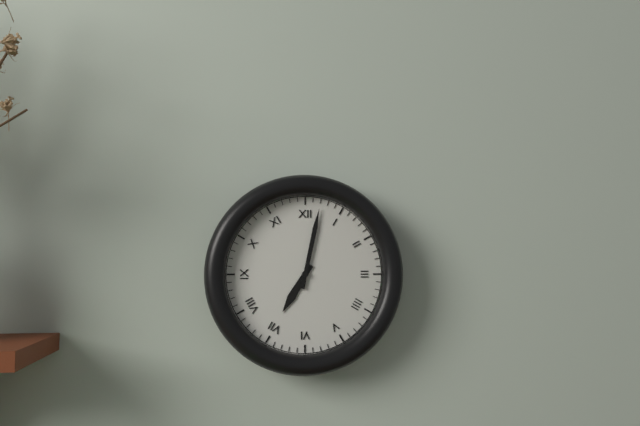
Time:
7.02
